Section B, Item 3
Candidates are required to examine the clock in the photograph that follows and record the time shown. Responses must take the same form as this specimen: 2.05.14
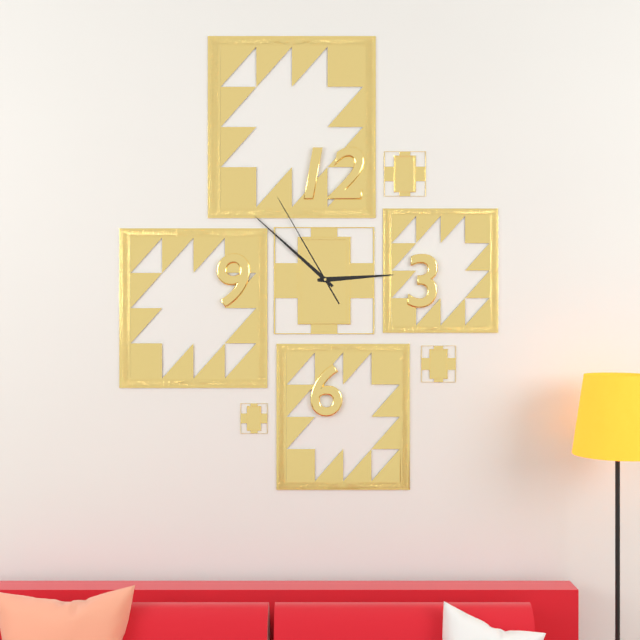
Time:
2.52.55
